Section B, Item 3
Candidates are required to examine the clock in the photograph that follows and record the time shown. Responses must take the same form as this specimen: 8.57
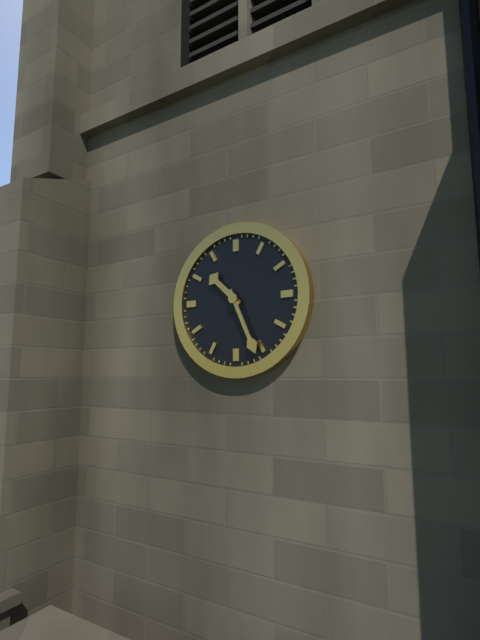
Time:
10.26
